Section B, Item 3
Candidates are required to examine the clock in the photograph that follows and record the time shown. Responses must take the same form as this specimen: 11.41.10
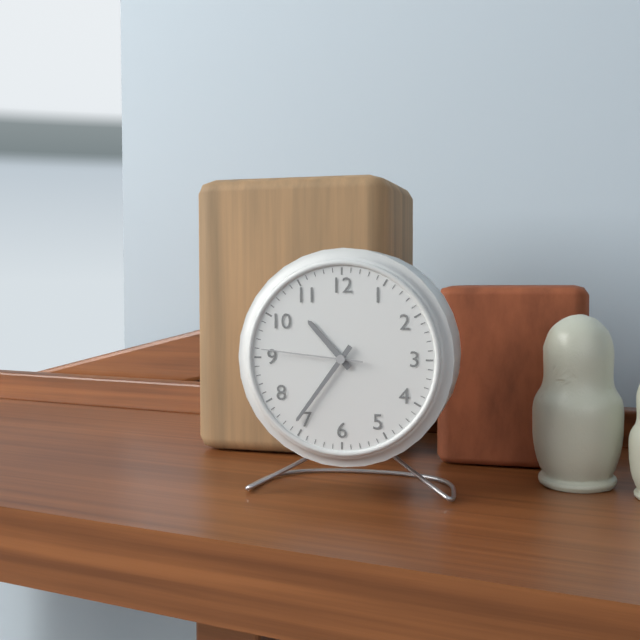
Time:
10.36.46
